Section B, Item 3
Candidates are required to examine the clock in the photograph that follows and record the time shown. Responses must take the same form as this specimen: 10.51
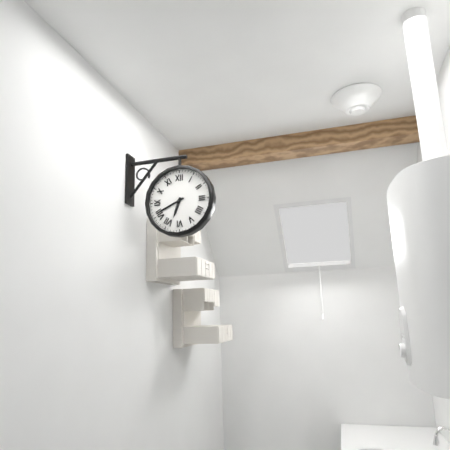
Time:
6.41
